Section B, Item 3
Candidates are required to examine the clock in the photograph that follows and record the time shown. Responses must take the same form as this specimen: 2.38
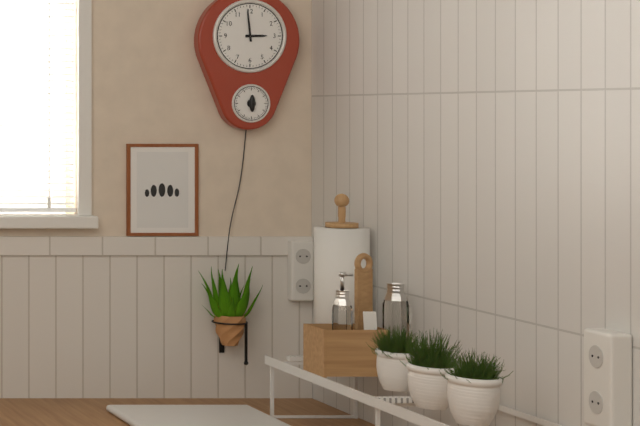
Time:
2.59
